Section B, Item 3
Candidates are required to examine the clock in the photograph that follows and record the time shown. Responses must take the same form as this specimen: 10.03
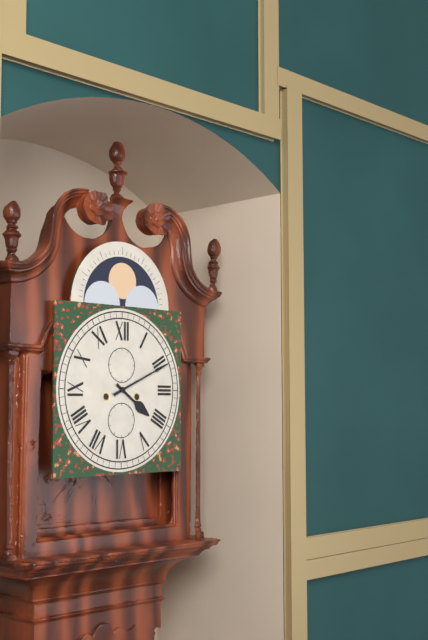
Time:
4.11
